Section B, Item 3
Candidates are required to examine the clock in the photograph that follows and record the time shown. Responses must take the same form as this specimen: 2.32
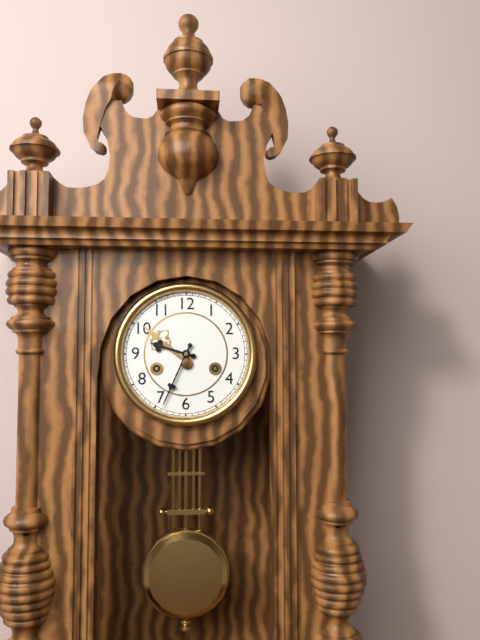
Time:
9.34
